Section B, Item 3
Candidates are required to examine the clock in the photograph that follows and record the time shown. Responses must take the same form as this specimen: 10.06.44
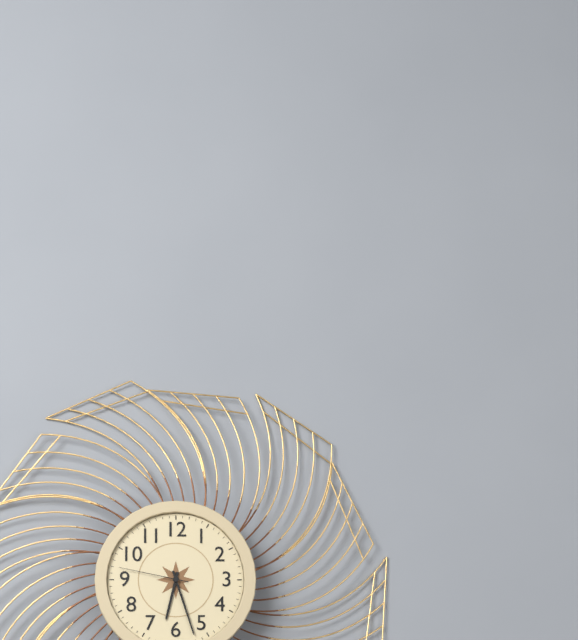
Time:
6.27.47
